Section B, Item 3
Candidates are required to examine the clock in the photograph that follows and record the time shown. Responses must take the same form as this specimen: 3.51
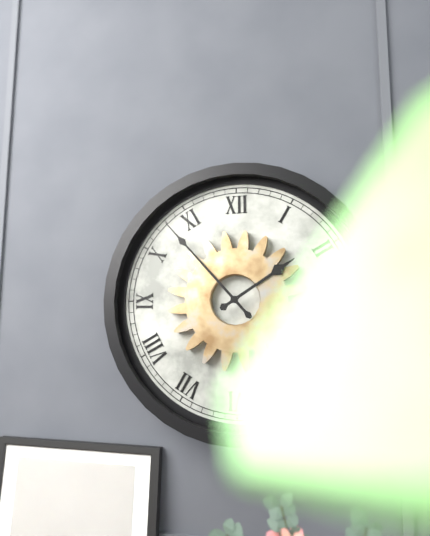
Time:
1.53
